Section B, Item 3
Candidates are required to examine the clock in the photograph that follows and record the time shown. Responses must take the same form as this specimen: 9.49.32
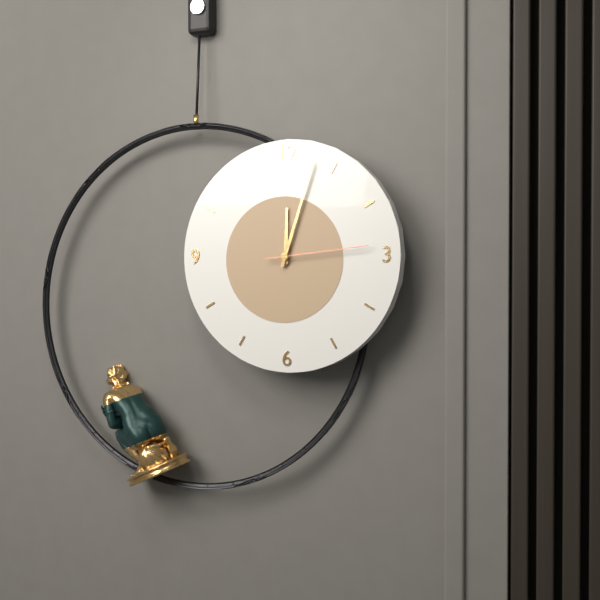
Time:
12.03.14
